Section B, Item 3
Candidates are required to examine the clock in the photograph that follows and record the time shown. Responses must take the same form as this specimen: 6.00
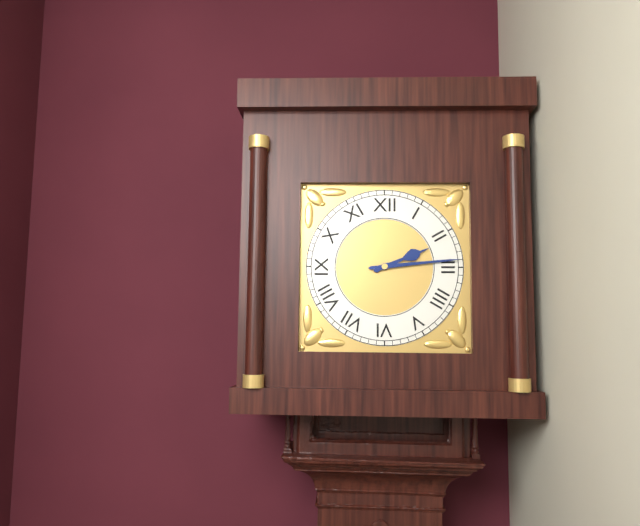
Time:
2.14
